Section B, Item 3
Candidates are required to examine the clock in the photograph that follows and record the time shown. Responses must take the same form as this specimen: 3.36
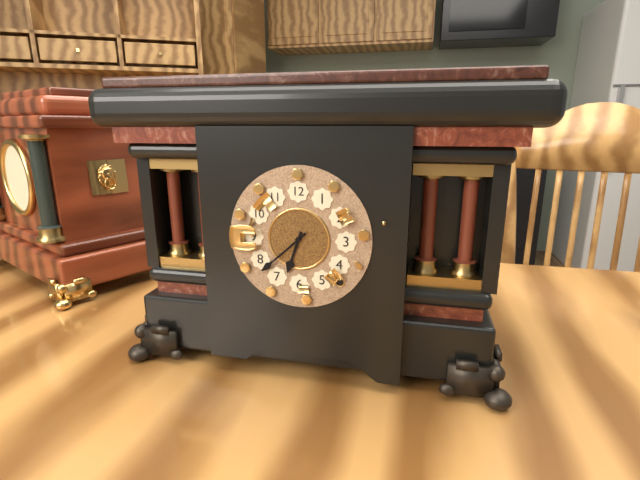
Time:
6.38
